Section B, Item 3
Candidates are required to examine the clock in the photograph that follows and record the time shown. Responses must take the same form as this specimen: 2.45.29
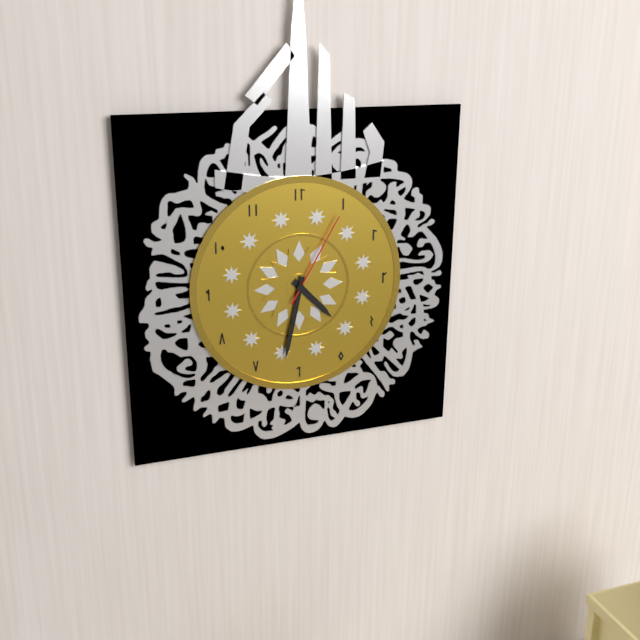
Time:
4.32.05
